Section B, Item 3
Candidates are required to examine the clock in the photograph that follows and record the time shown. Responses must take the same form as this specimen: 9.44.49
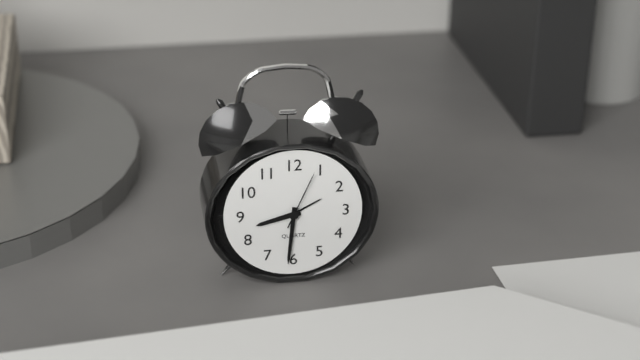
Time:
8.31.04
